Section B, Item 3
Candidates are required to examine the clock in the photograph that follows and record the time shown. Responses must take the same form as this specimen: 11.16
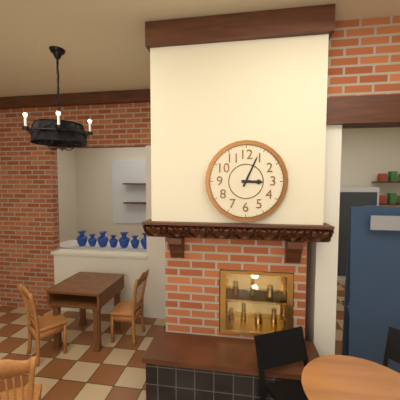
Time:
3.04
